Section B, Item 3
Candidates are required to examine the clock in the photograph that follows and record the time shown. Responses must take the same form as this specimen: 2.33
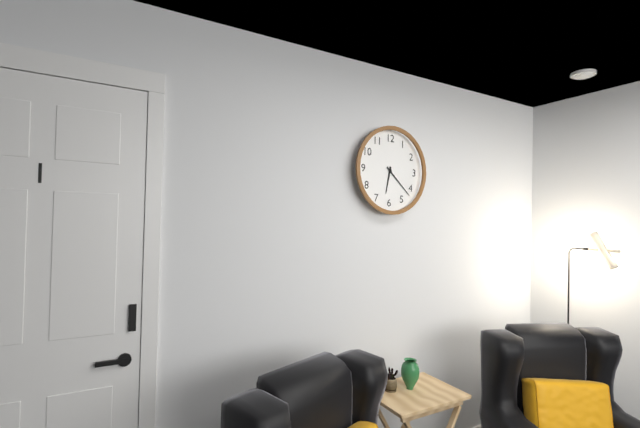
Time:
6.22
